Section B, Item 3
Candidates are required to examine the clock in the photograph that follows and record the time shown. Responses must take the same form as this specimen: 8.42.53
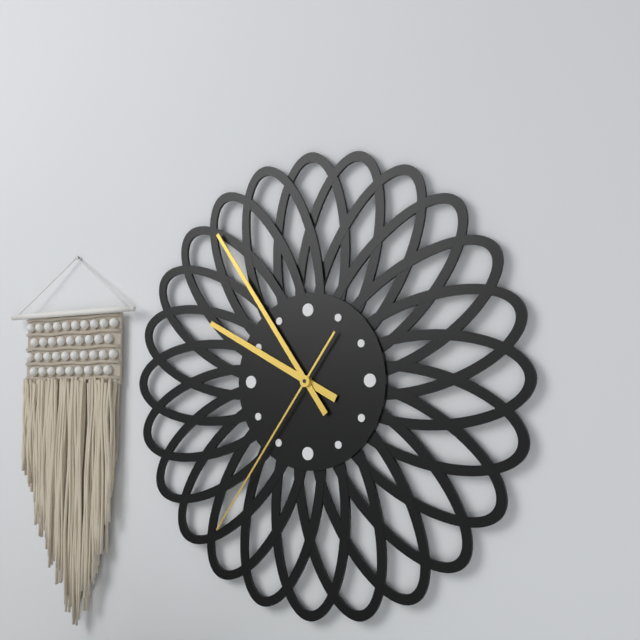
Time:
9.54.36
